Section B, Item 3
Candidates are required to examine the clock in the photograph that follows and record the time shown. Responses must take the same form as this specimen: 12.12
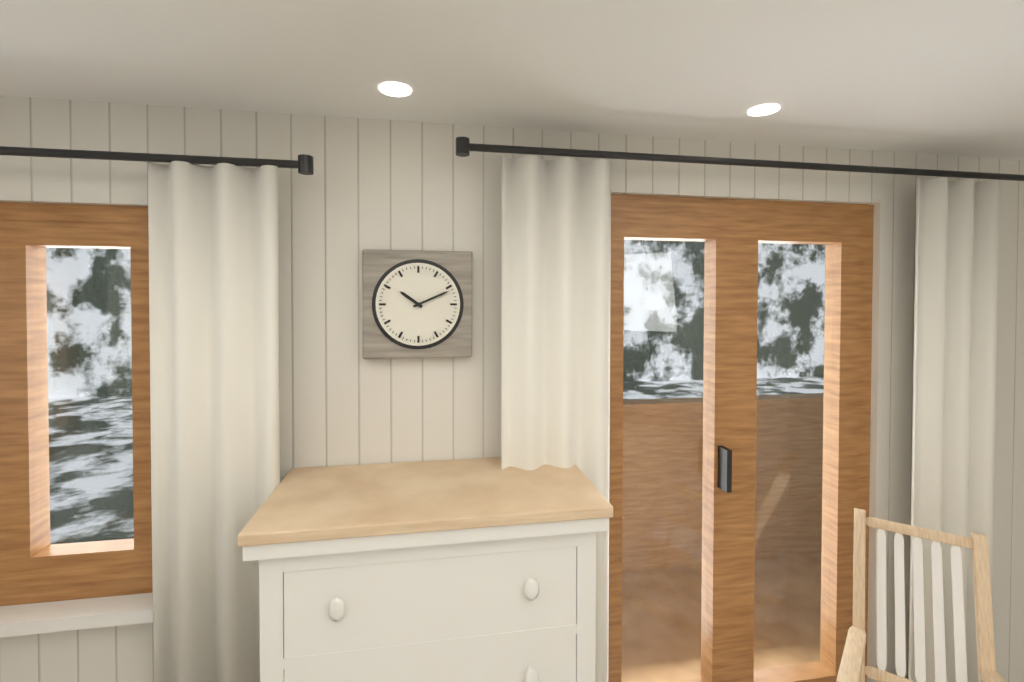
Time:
10.11
